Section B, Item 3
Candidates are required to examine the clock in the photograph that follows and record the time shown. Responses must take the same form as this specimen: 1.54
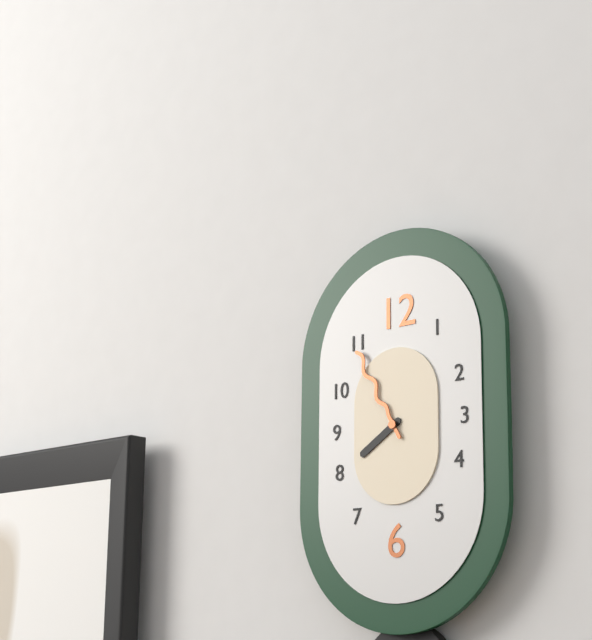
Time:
7.55
